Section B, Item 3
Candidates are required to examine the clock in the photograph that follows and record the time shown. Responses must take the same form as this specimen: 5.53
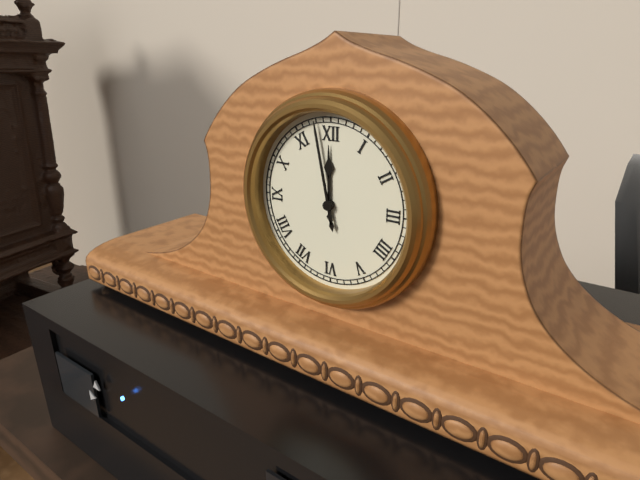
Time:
11.58
